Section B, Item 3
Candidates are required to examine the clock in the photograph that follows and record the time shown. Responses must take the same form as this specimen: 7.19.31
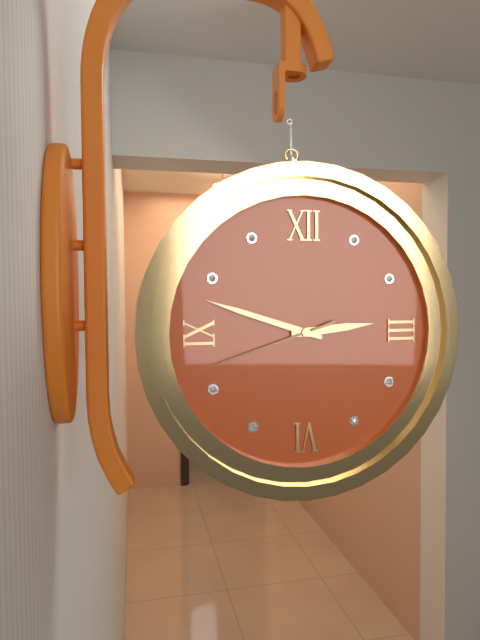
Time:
2.48.42
